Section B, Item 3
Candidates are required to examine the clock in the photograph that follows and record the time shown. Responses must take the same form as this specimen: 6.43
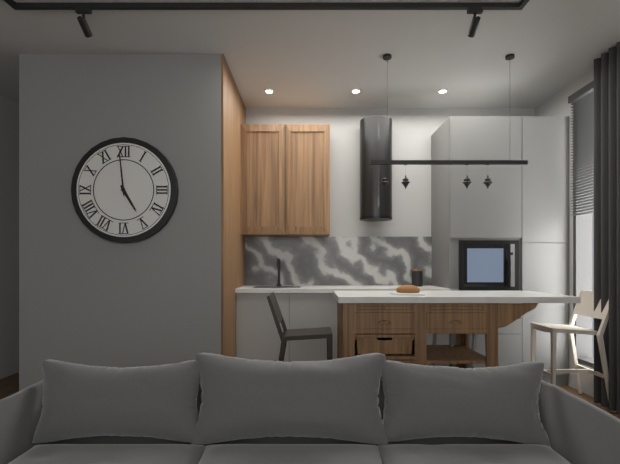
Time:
4.59
